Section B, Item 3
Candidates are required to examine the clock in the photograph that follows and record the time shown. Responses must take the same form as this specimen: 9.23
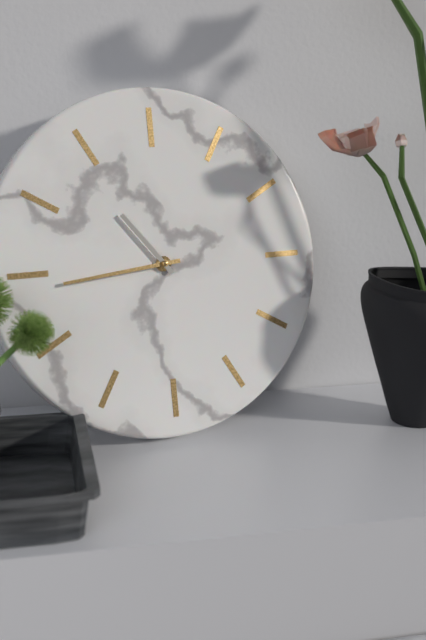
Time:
10.44
